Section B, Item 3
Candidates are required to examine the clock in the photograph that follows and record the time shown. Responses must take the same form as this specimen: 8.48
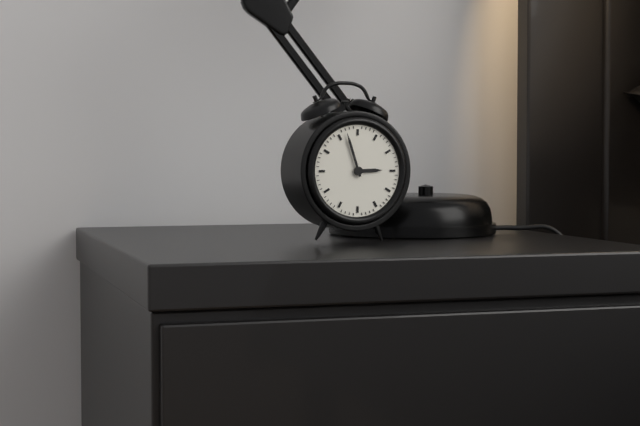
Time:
2.57
